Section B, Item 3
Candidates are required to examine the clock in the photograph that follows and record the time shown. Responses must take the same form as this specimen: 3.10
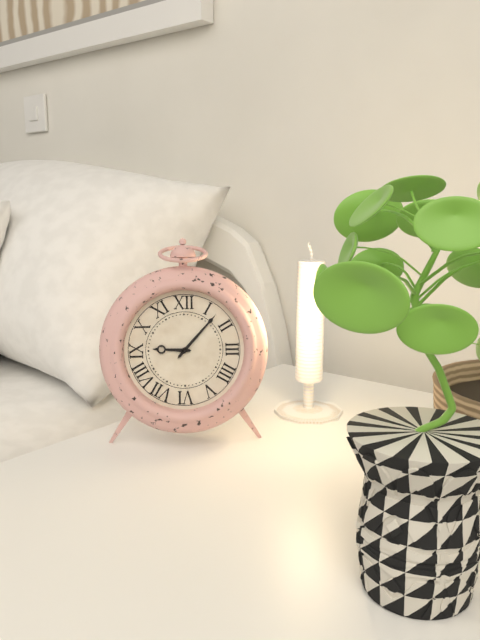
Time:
9.07
